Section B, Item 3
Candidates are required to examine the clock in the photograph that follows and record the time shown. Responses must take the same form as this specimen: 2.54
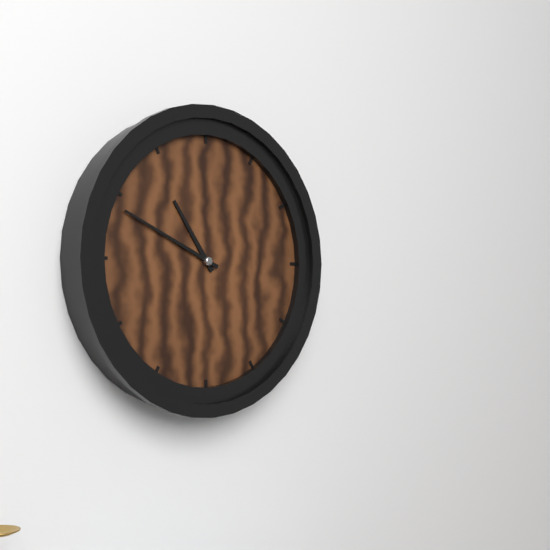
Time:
10.49
